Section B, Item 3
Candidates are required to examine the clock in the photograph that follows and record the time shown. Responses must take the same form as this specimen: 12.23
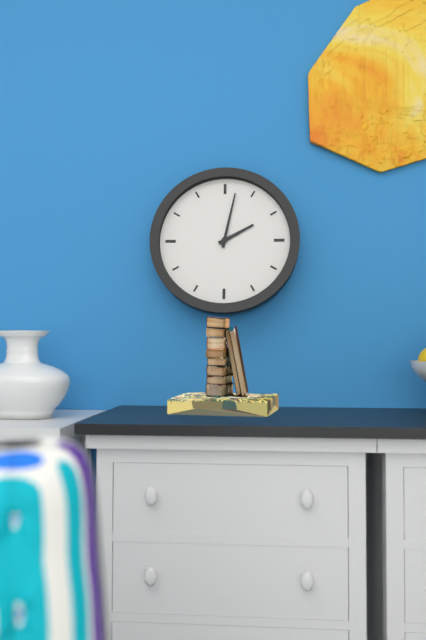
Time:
2.02
